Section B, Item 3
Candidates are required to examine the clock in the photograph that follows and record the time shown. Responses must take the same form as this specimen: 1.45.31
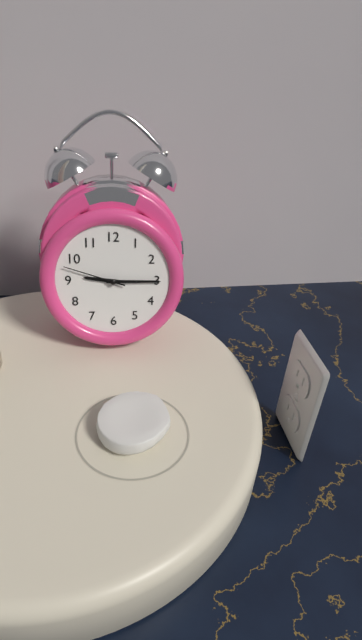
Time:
9.15.48
